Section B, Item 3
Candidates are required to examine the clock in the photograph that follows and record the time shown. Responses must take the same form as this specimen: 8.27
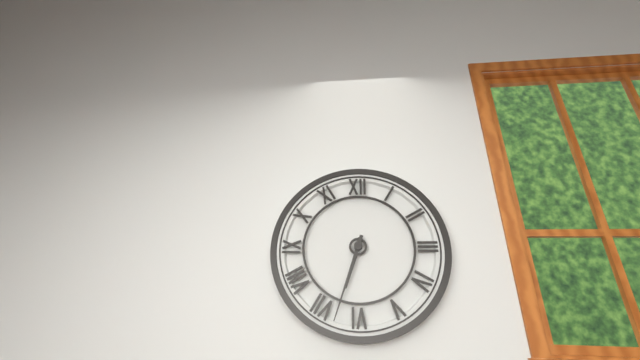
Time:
6.33
